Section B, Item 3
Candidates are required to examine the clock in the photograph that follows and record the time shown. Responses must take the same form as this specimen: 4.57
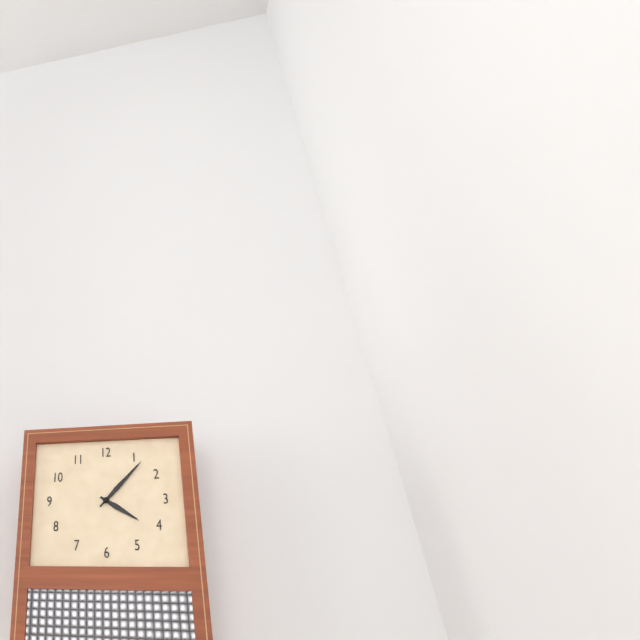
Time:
4.07
